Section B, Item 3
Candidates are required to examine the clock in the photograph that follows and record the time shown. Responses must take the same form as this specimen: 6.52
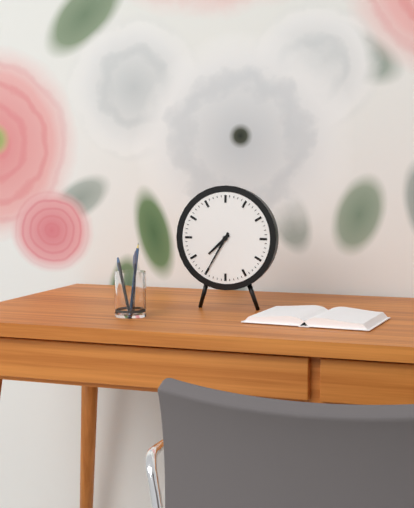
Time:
7.35
